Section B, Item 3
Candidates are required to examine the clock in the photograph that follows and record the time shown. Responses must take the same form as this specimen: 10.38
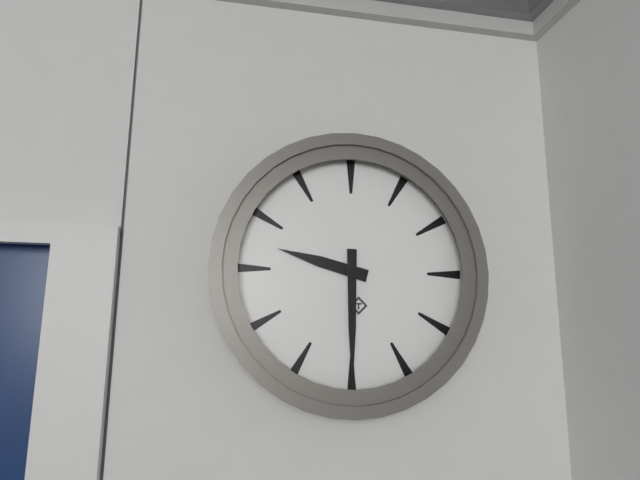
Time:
9.30
